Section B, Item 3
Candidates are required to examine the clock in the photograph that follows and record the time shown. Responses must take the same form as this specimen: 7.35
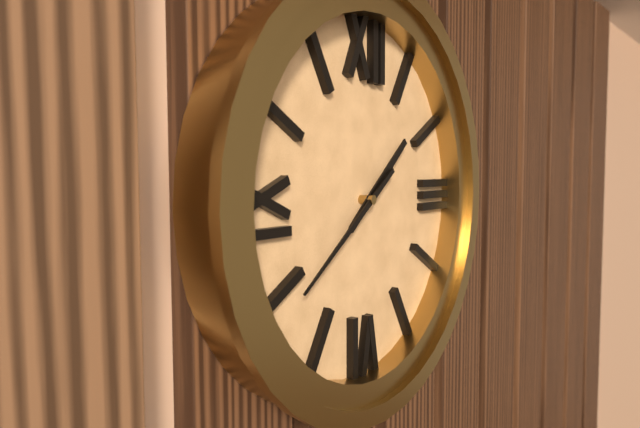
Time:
1.39
